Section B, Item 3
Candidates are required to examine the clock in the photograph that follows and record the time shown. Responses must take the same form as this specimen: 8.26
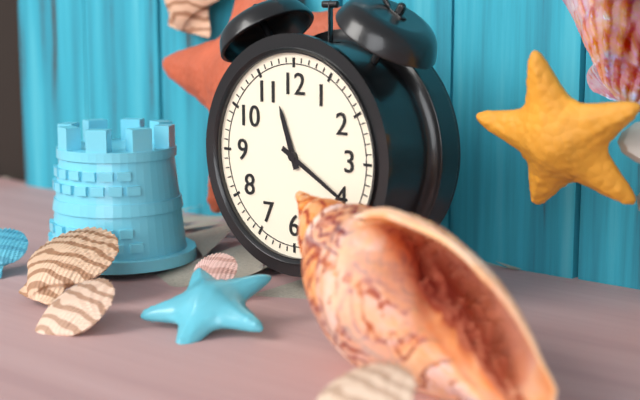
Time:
11.20
